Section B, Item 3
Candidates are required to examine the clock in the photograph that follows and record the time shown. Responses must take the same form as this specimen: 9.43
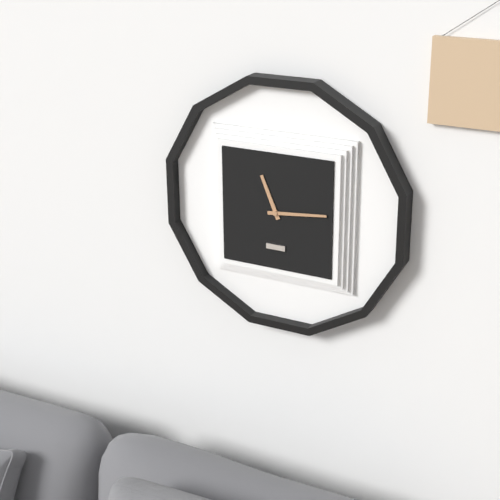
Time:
11.14
